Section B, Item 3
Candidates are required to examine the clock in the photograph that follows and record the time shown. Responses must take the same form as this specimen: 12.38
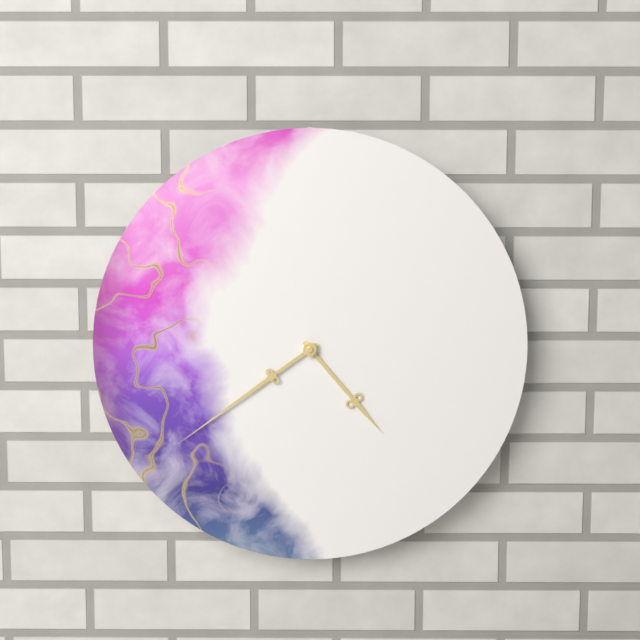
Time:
4.39
